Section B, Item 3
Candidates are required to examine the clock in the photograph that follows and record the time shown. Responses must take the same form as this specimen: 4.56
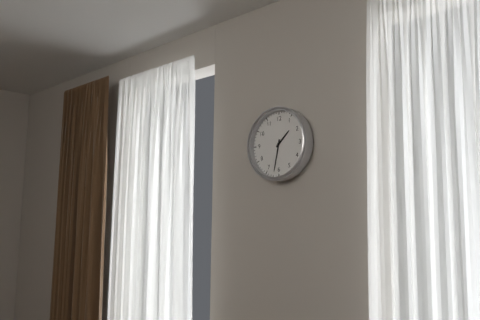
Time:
1.32
